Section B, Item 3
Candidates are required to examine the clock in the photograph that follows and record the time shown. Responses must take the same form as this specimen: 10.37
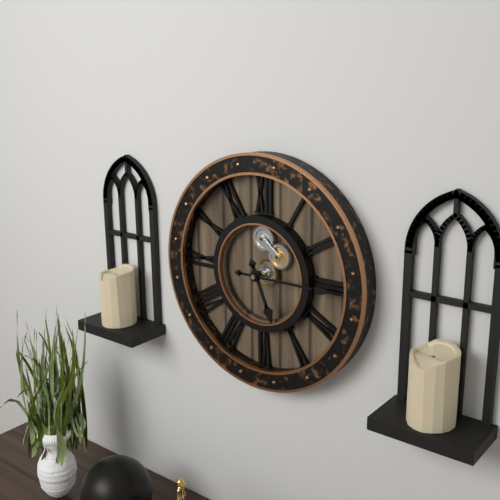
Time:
5.15
